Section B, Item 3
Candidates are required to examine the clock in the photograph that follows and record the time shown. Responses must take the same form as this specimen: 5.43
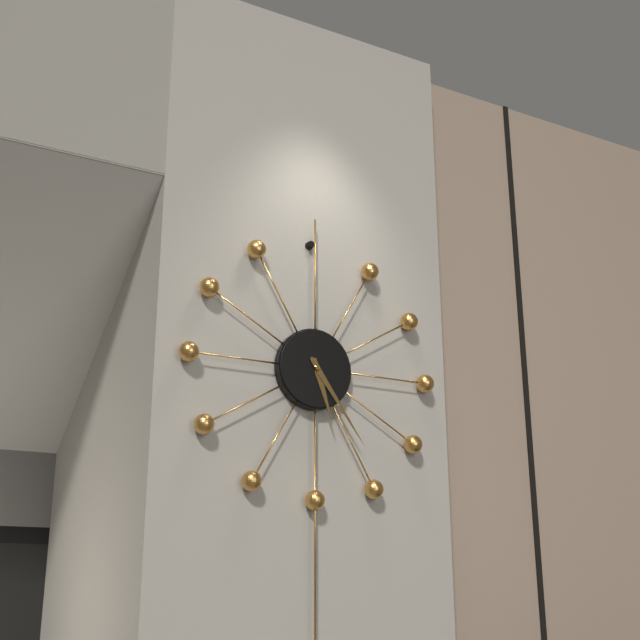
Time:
5.24
